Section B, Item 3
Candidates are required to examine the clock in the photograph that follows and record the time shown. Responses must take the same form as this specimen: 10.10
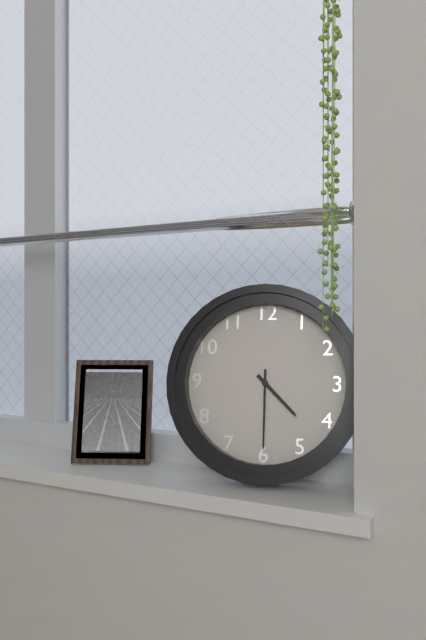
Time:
4.30
